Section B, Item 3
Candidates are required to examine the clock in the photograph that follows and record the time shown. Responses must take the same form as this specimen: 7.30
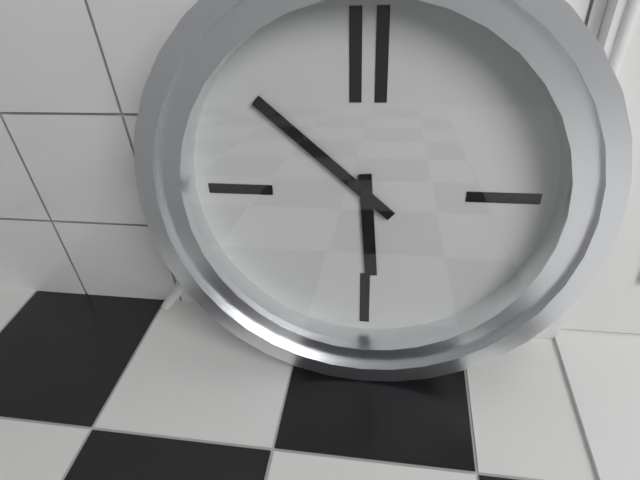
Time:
5.52
